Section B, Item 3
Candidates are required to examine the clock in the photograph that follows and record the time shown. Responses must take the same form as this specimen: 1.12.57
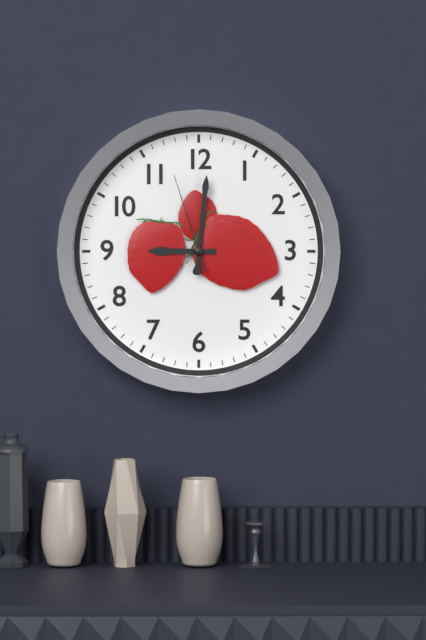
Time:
9.01.57
